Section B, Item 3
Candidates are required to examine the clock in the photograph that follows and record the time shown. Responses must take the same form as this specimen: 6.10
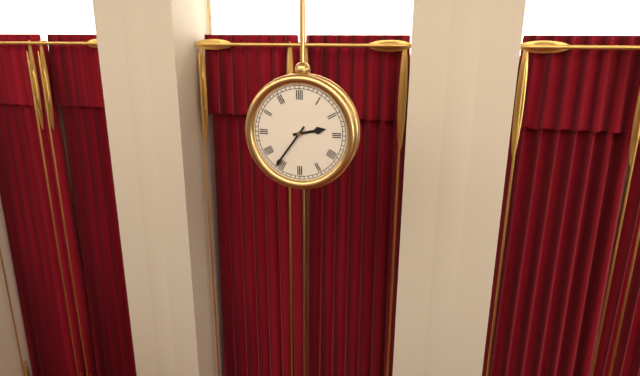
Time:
2.36
